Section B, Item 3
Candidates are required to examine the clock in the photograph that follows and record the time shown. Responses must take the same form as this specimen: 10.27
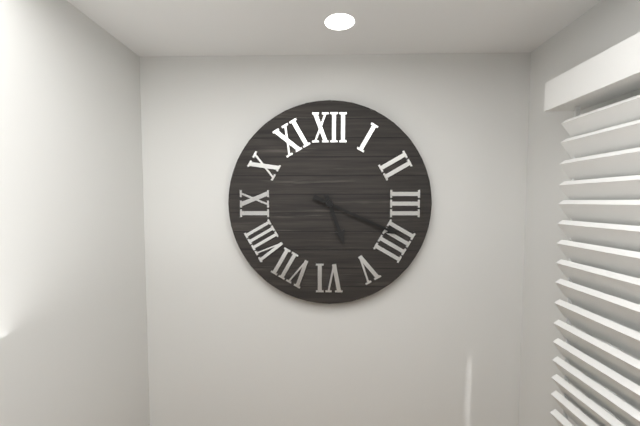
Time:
5.19
